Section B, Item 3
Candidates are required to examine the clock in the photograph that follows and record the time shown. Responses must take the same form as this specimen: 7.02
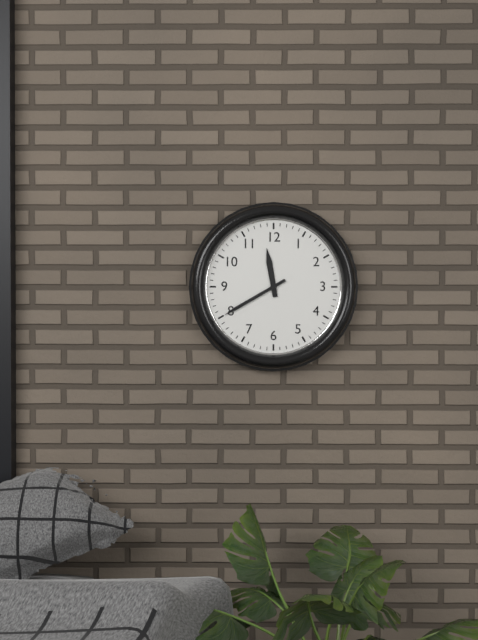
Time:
11.40
